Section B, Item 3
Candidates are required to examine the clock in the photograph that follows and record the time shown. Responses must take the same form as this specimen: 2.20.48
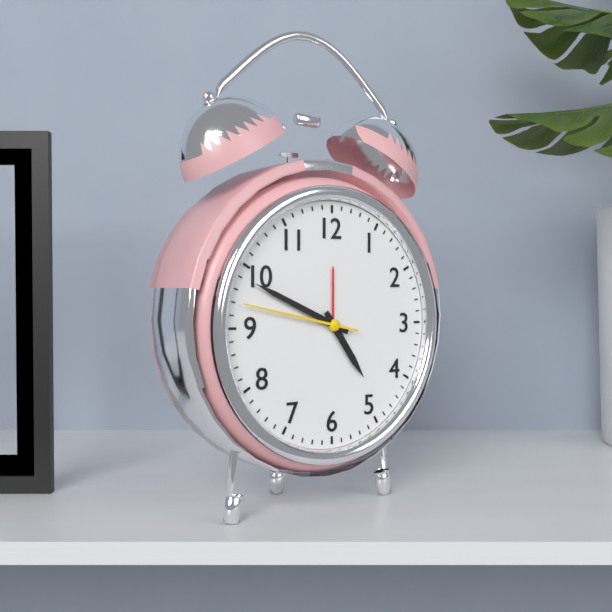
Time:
4.49.47
